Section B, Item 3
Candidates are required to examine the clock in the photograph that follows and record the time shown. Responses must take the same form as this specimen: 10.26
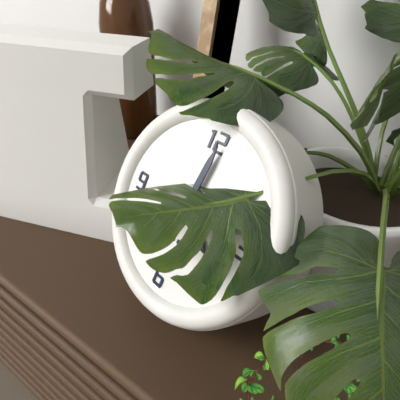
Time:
4.01
